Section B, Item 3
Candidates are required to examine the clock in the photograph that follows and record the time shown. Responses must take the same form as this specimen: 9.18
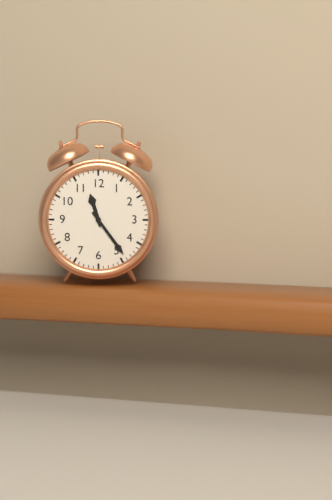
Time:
11.24
